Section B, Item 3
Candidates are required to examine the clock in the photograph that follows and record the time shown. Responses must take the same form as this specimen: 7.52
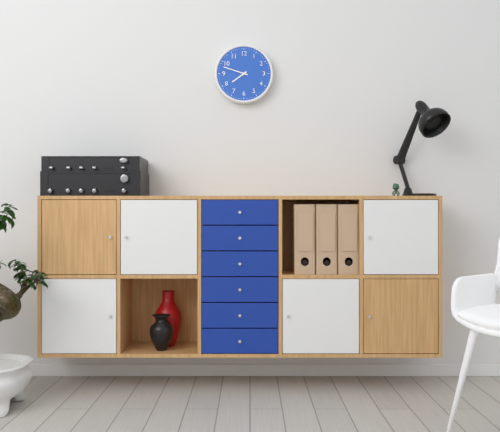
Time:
7.48
